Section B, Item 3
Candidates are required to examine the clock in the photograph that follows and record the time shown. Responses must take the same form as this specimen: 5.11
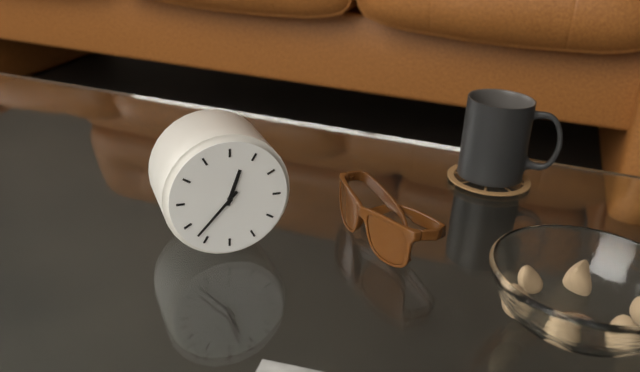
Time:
12.37
